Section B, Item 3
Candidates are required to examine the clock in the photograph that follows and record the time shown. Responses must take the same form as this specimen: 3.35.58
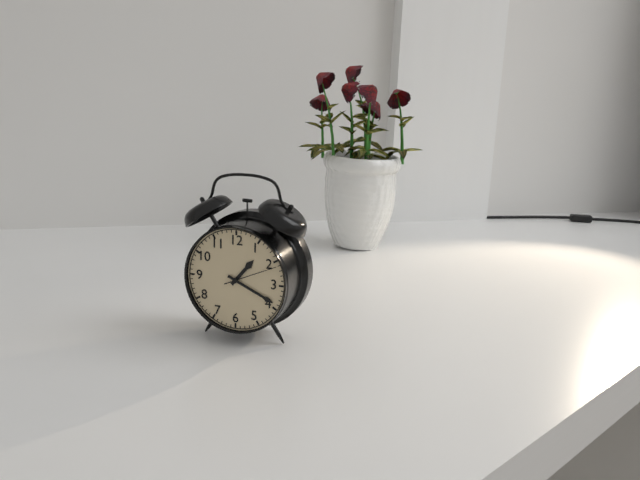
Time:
1.19.11
